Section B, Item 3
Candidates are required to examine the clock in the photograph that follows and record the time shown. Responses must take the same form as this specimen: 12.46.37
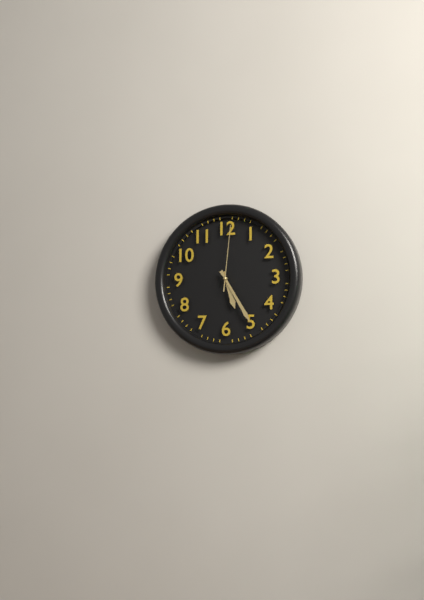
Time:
5.25.01
